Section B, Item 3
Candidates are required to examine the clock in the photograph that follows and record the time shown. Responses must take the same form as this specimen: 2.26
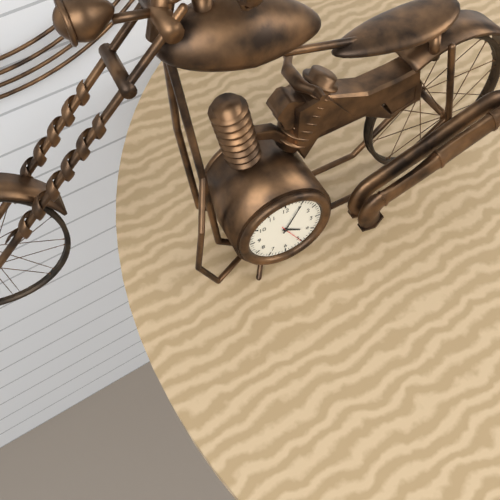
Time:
4.05
